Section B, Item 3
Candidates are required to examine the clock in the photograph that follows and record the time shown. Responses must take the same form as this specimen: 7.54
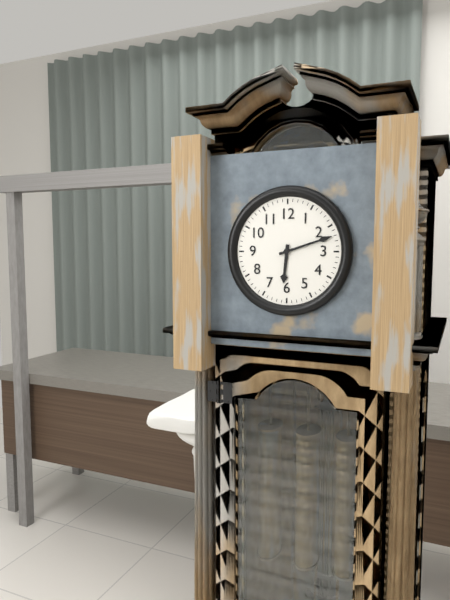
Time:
6.12
